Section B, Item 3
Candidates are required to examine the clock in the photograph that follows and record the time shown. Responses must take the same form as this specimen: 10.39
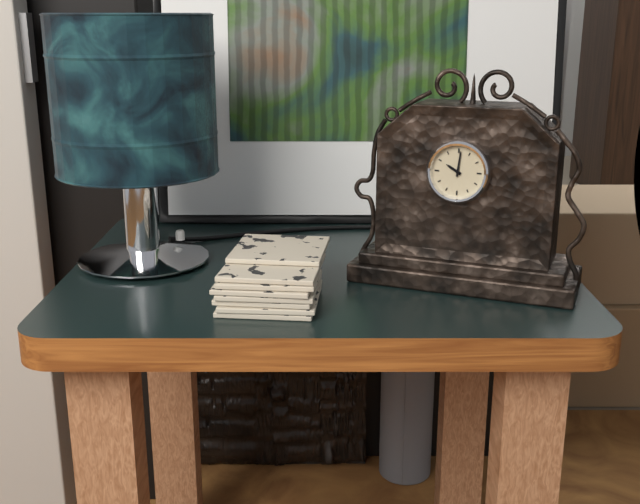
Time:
10.01
